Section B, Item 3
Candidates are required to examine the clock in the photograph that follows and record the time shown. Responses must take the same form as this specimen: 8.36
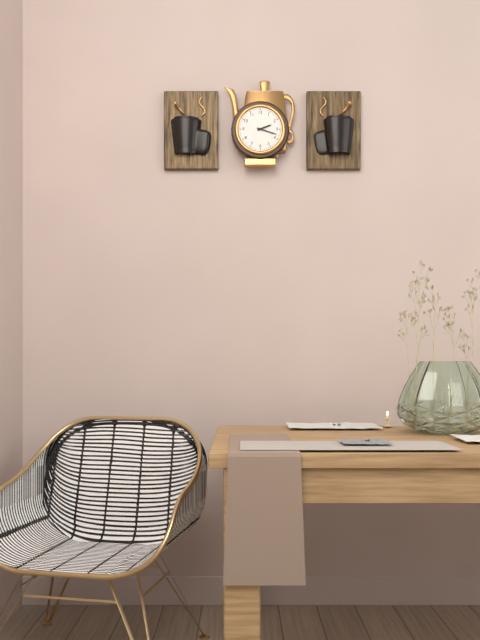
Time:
2.18
